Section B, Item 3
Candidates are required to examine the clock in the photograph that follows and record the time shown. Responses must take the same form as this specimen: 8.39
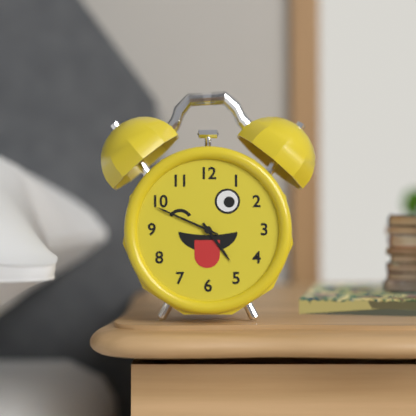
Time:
4.49
